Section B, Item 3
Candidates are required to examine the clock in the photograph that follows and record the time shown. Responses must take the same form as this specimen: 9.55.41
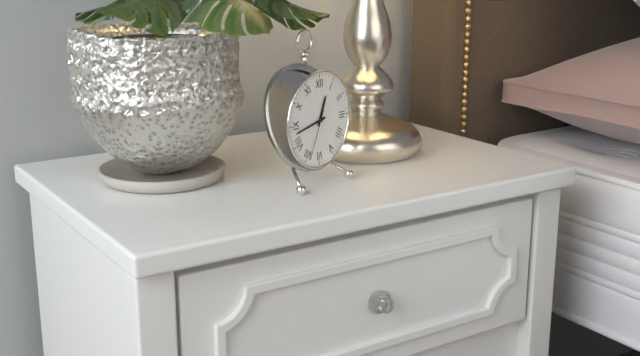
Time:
12.43.34
